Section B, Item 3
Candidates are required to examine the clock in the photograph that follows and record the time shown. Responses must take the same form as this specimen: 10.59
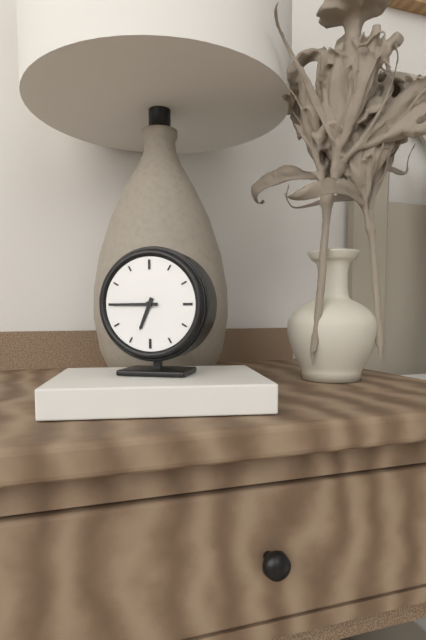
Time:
6.45
